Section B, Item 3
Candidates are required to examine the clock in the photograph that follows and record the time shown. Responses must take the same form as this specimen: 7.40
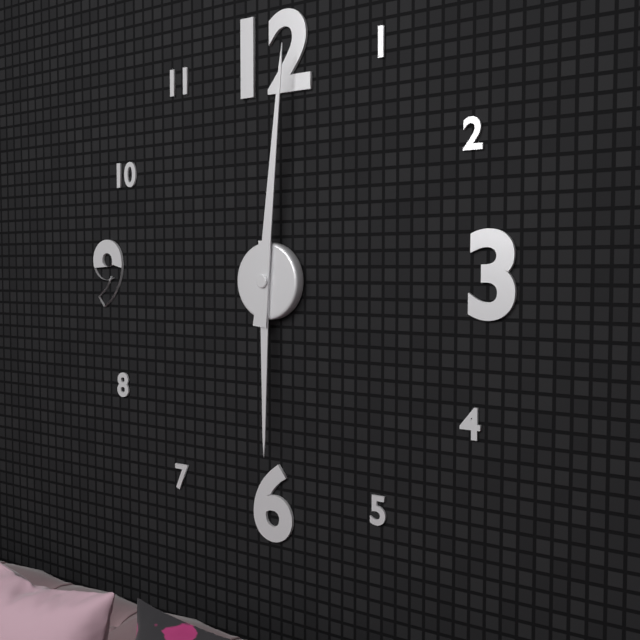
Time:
6.01
